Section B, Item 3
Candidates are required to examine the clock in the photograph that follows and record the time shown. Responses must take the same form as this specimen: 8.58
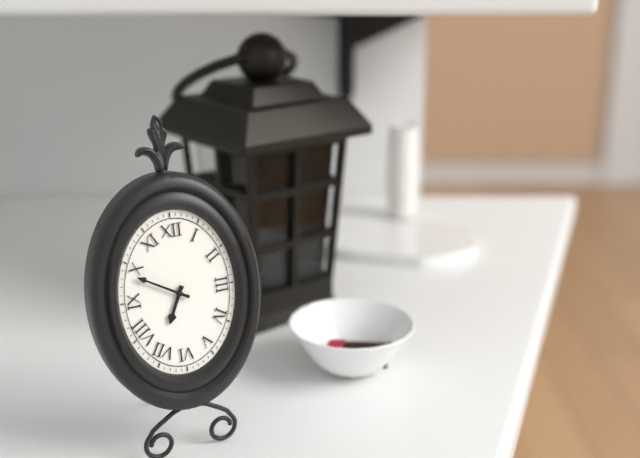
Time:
6.50
